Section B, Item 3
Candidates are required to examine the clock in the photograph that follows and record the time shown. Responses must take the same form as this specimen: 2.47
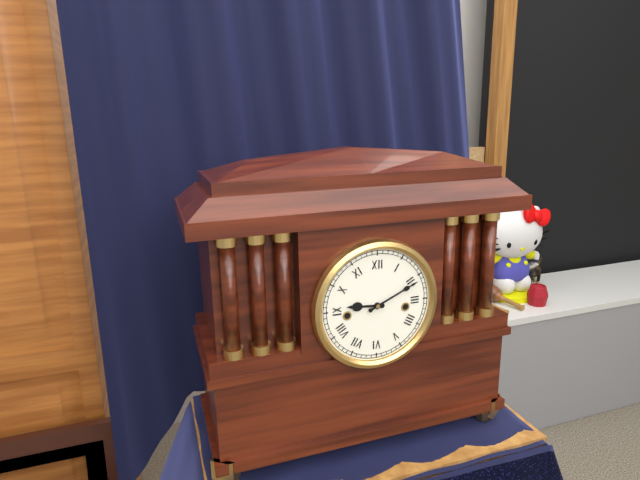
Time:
9.11
